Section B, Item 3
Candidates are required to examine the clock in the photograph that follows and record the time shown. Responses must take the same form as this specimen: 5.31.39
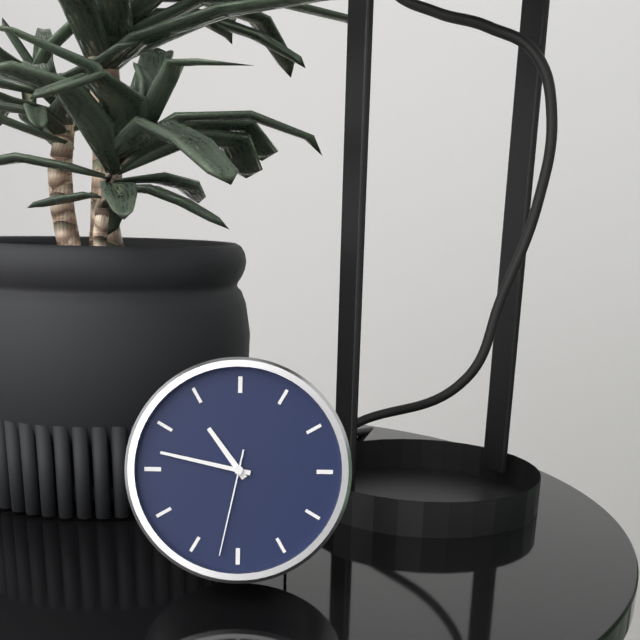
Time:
10.47.32
